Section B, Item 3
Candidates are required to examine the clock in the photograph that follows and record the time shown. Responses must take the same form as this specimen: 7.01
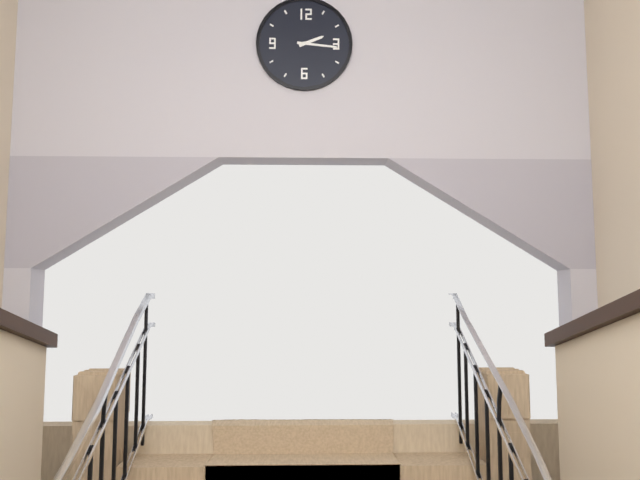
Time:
2.16
